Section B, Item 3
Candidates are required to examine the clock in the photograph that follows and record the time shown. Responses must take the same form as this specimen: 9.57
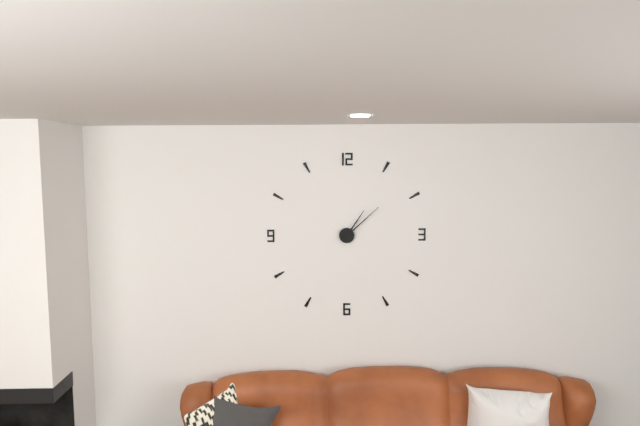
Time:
1.08
